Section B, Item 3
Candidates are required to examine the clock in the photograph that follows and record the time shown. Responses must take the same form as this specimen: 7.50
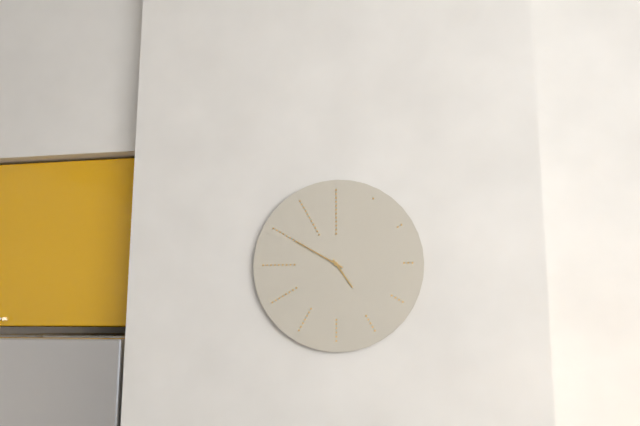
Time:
4.50
